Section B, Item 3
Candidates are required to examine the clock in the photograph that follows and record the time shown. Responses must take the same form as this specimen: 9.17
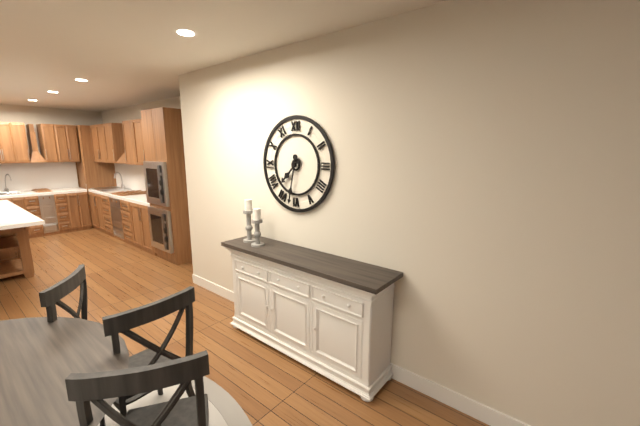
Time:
7.32
